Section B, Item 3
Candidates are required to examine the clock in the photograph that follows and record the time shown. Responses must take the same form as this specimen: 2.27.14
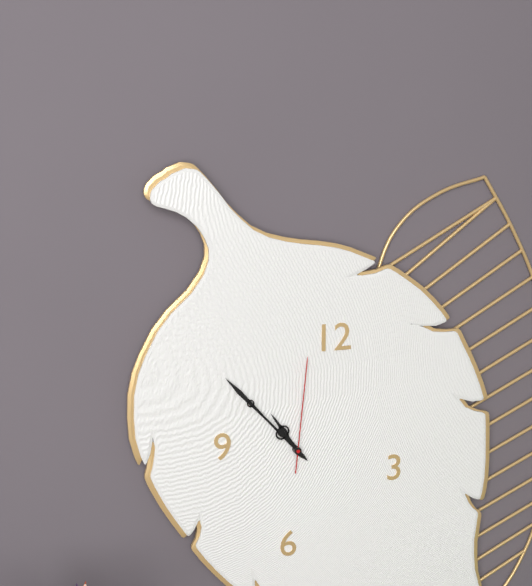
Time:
10.53.01
